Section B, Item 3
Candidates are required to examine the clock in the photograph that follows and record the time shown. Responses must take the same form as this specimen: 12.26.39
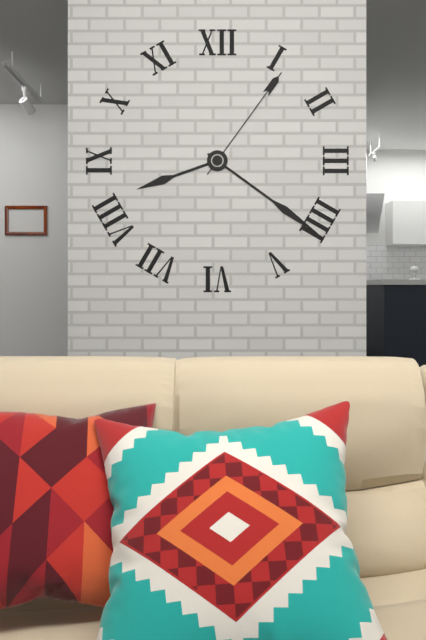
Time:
8.21.06
